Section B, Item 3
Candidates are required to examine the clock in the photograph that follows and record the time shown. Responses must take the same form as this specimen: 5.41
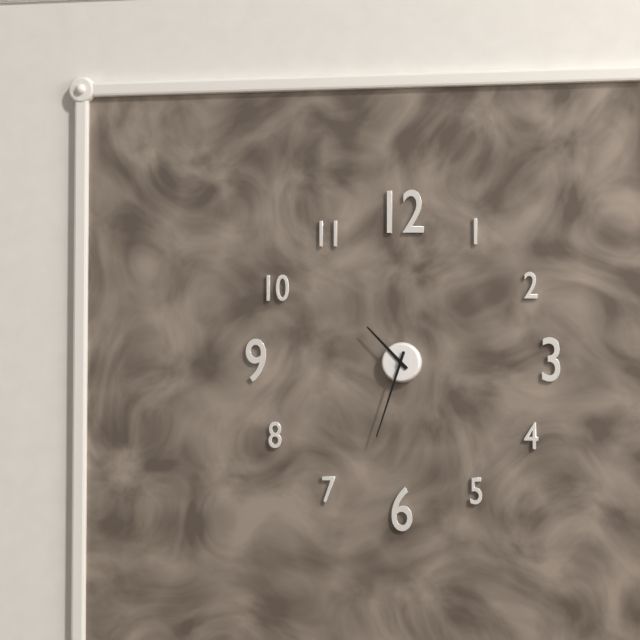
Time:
10.33
